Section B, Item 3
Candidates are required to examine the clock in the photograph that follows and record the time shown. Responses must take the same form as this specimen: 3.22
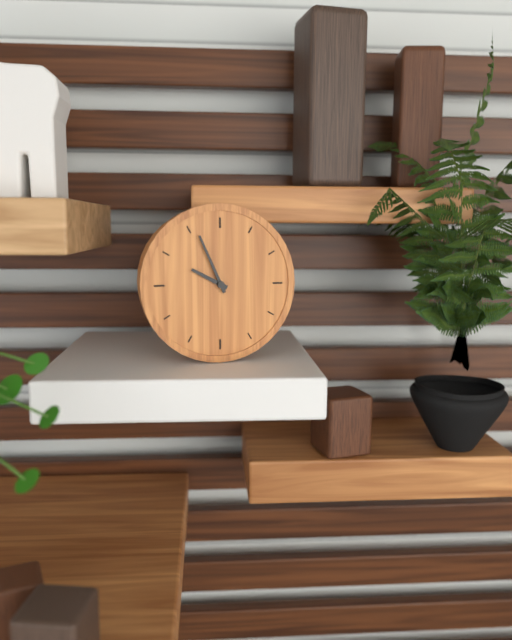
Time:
9.56
